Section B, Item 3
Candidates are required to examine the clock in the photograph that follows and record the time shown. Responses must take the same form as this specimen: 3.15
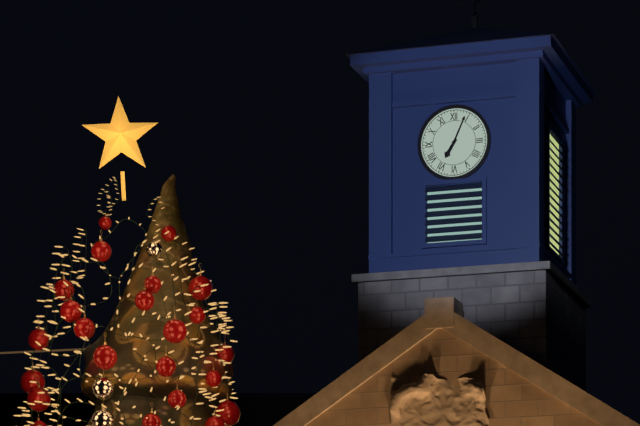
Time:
7.04
